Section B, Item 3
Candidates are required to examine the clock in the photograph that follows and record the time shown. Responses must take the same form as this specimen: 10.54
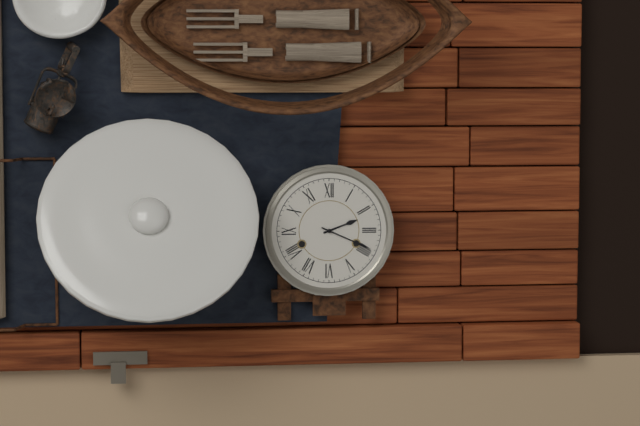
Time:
2.19
